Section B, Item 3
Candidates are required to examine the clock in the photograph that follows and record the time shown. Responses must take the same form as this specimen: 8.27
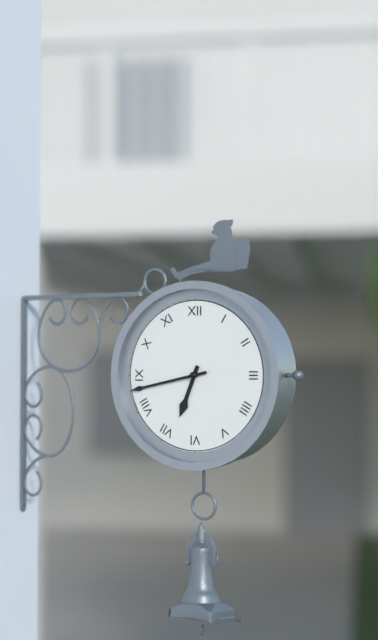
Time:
6.43
